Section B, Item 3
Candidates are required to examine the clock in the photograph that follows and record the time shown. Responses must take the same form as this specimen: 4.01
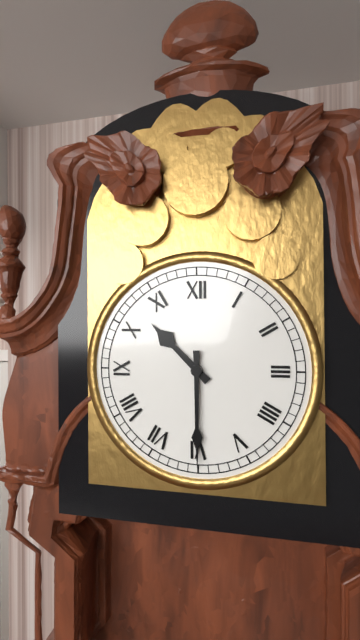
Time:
10.30
